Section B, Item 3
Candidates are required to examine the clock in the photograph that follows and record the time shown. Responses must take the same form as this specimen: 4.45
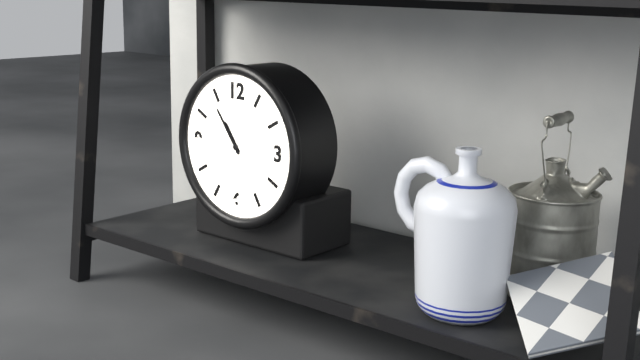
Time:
10.54
